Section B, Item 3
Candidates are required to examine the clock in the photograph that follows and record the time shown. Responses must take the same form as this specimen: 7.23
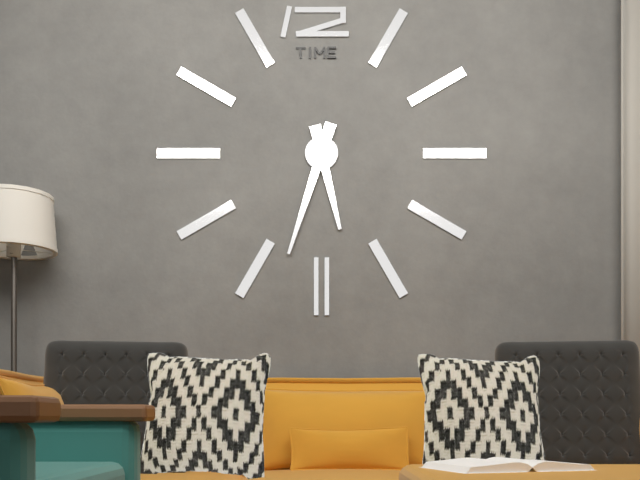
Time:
5.33
